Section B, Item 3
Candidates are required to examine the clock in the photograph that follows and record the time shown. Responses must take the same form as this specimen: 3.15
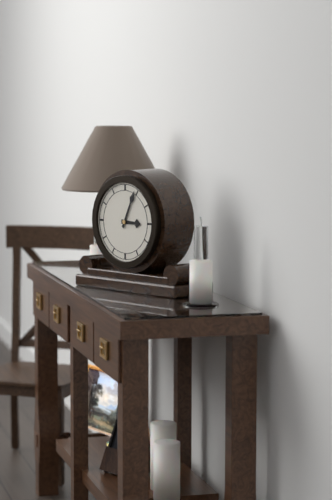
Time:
3.04
